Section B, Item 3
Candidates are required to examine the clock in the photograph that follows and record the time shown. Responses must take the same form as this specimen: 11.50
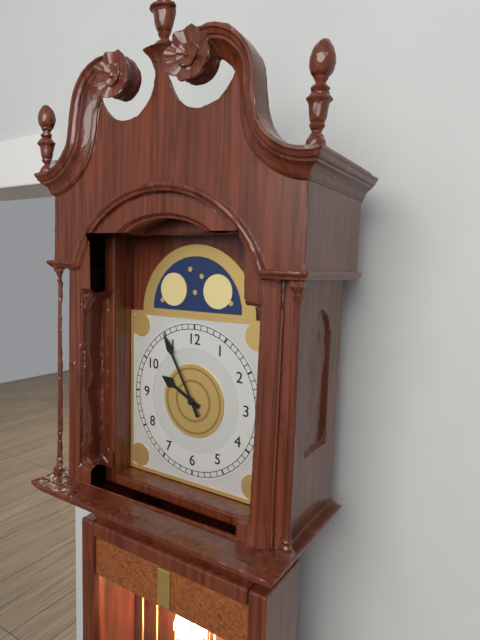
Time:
9.55
